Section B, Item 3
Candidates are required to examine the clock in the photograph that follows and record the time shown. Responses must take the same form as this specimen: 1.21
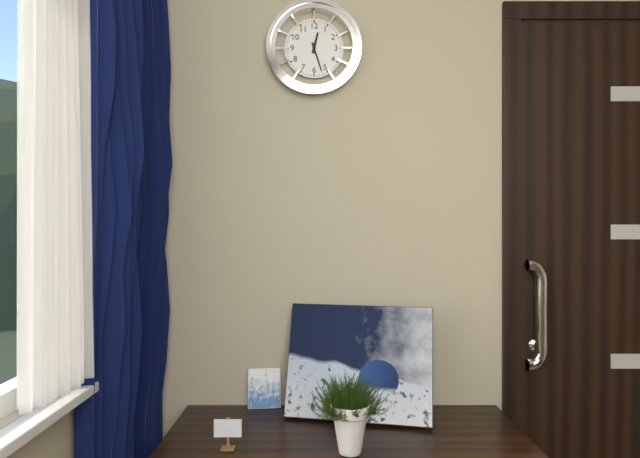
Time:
12.27
